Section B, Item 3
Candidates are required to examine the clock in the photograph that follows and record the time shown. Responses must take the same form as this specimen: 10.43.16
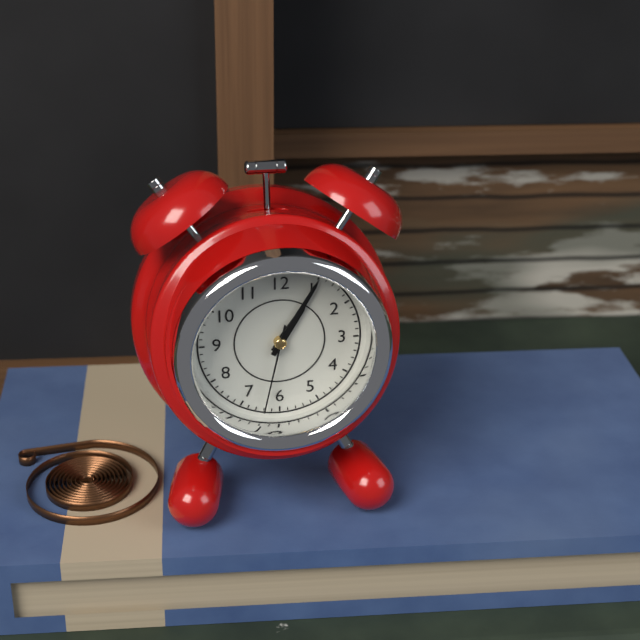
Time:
1.05.32
